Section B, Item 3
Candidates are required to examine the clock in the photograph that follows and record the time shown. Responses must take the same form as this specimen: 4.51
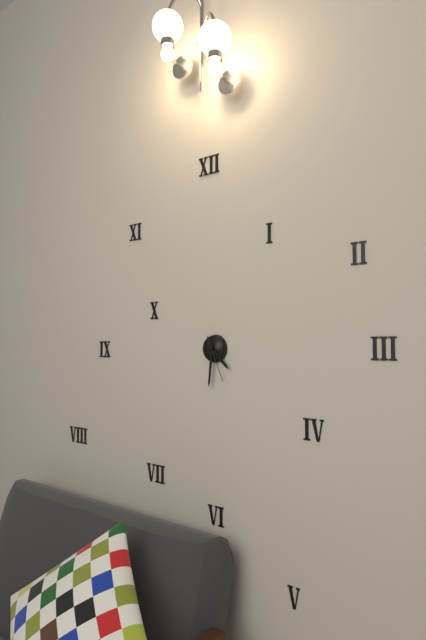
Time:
4.31
